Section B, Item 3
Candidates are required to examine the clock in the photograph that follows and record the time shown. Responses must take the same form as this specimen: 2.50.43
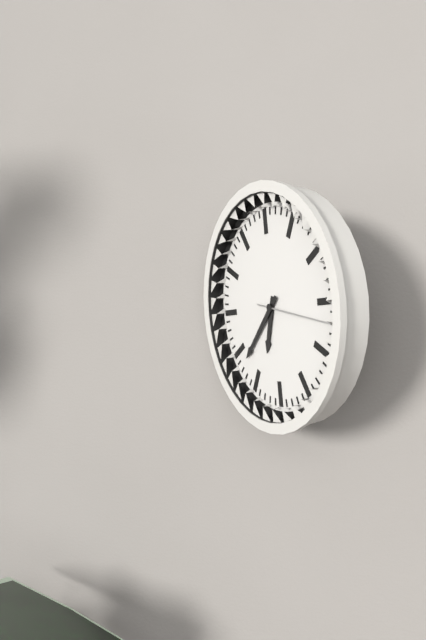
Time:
6.38.17
